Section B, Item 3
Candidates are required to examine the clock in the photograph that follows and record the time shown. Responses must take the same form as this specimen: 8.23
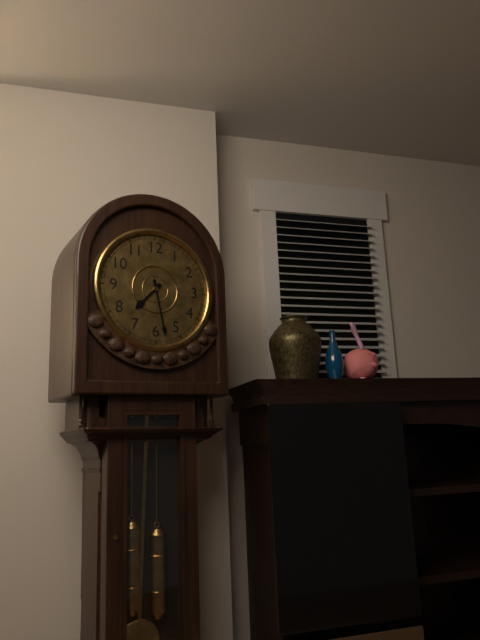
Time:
7.28
